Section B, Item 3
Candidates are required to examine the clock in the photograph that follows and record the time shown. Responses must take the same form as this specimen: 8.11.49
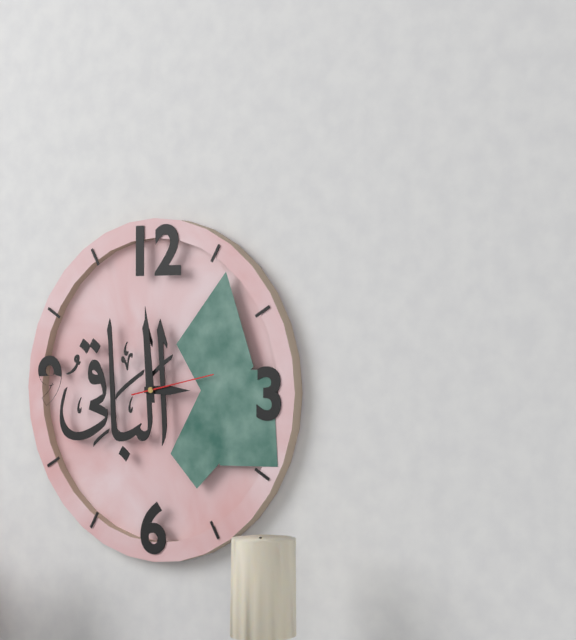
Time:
2.59.13
